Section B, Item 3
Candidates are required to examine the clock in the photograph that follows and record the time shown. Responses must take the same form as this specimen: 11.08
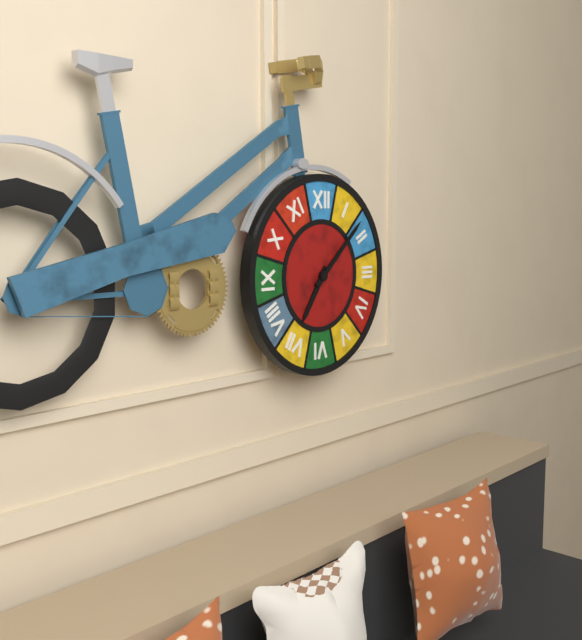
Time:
7.08
